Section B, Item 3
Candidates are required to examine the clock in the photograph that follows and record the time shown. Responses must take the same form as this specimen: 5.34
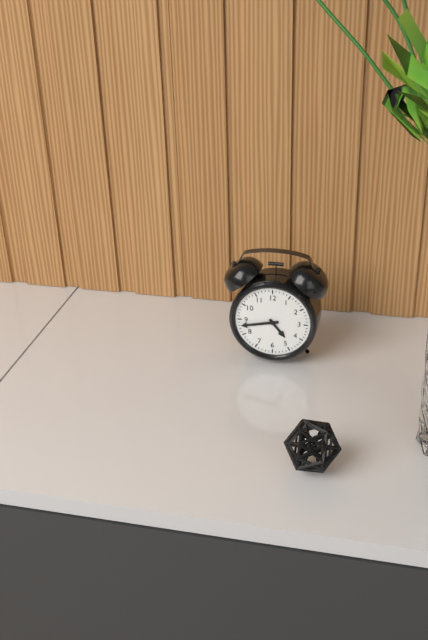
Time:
4.43
